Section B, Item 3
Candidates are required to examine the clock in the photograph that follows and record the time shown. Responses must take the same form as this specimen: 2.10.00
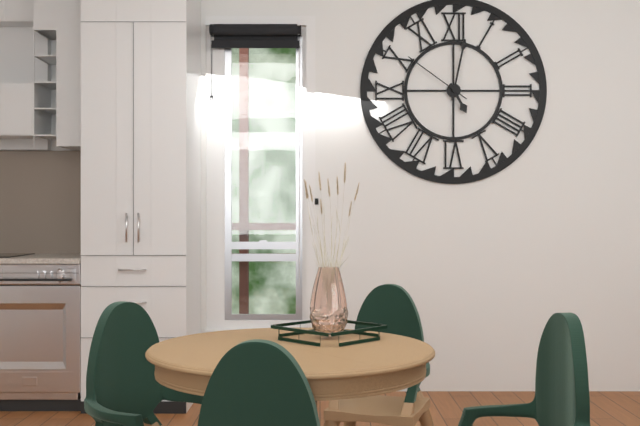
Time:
5.02.51
